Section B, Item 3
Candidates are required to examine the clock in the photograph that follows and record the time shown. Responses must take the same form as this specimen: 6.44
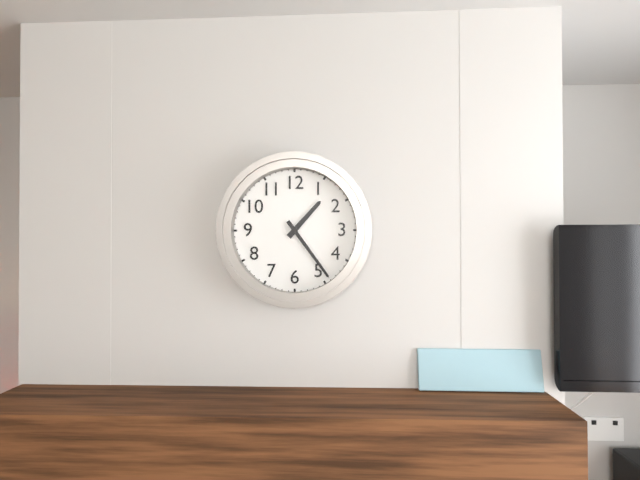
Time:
1.24
